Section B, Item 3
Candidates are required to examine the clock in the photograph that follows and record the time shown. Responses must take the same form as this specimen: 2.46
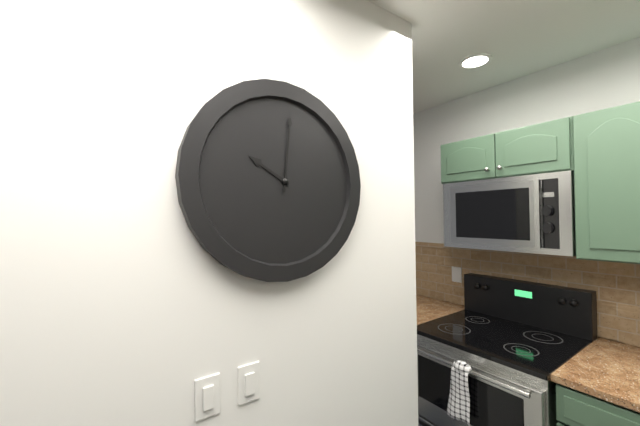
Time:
10.01
